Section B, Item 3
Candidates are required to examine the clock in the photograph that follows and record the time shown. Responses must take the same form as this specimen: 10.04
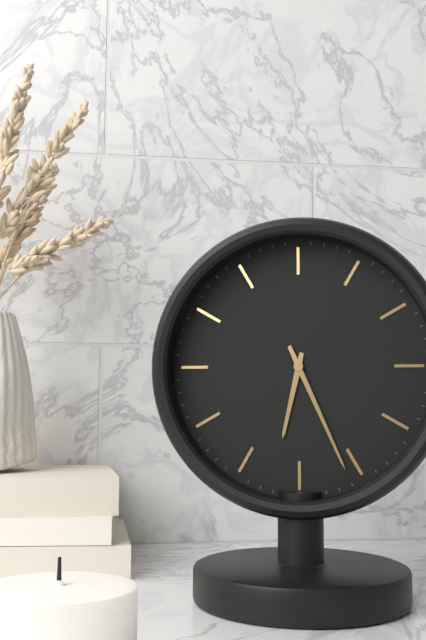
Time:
6.26
